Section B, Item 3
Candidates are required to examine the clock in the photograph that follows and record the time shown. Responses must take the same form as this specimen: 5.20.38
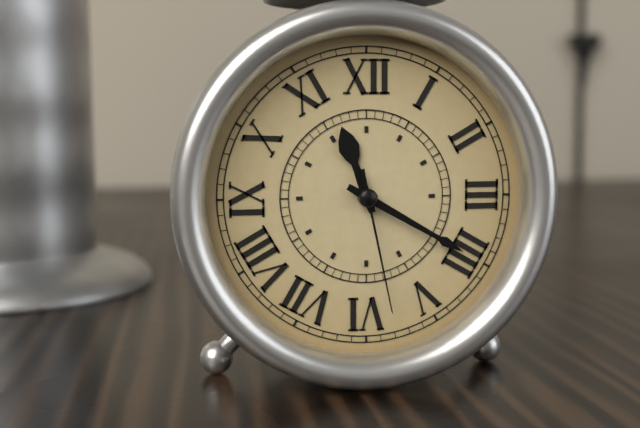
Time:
11.20.28
